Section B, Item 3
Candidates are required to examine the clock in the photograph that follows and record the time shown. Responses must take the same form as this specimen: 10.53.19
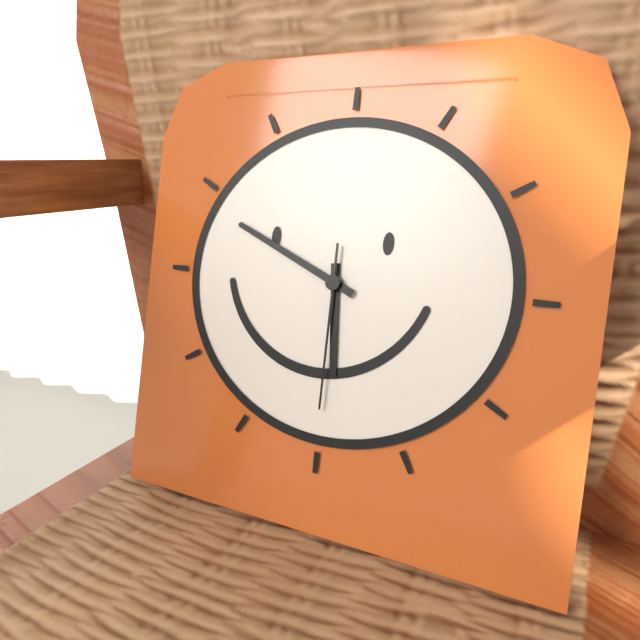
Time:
5.49.30
